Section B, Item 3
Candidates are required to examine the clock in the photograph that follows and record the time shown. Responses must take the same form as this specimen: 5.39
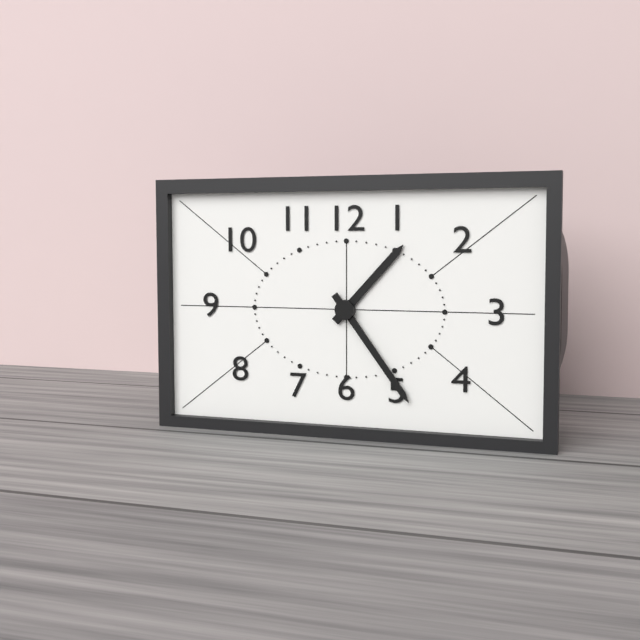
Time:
1.24
